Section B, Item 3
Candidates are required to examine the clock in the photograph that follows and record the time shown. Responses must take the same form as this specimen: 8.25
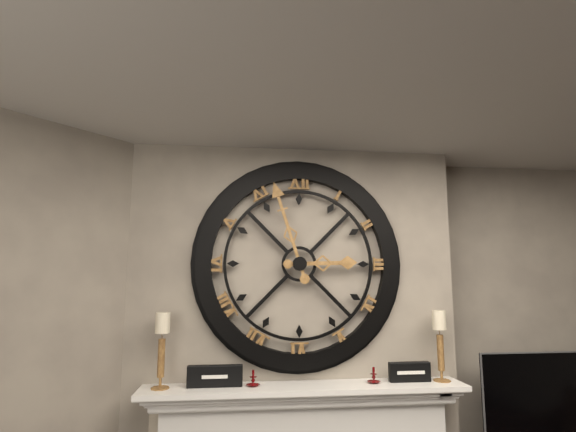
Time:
2.57
